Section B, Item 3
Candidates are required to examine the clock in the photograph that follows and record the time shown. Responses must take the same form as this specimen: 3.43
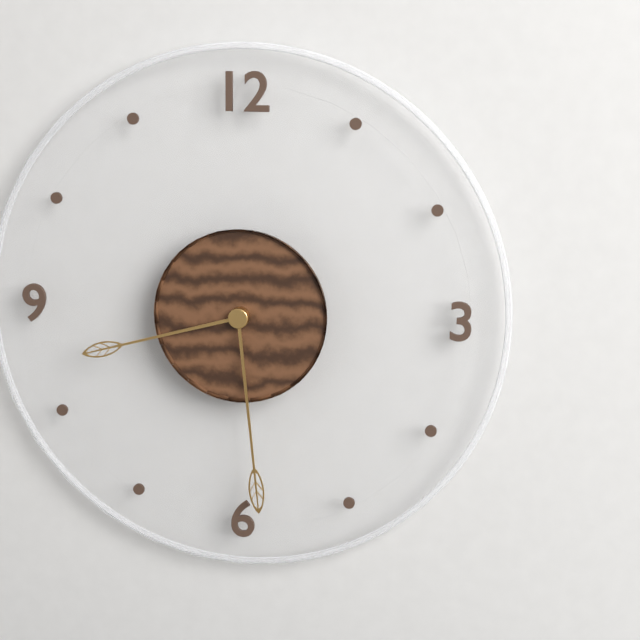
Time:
8.29
